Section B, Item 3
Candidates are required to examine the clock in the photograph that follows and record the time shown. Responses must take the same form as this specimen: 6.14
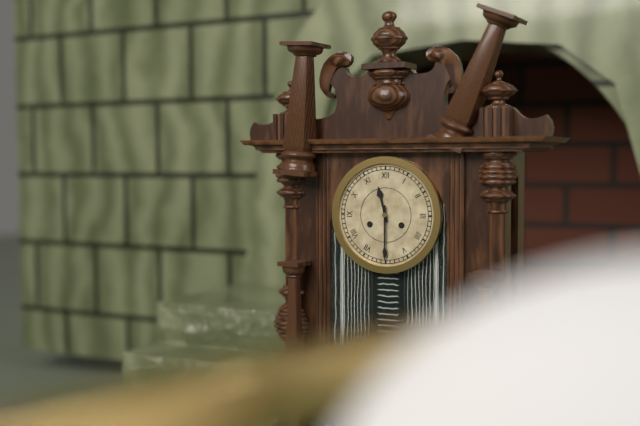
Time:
11.30
